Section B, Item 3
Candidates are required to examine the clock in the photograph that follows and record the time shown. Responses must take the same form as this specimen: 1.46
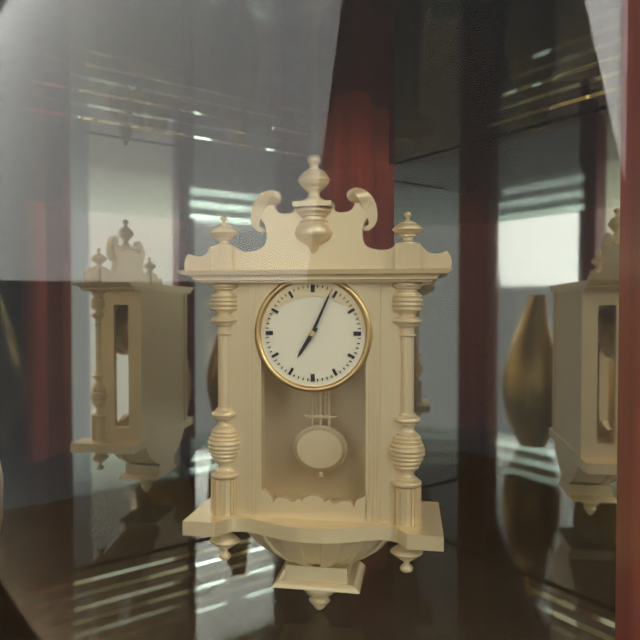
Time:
7.04
